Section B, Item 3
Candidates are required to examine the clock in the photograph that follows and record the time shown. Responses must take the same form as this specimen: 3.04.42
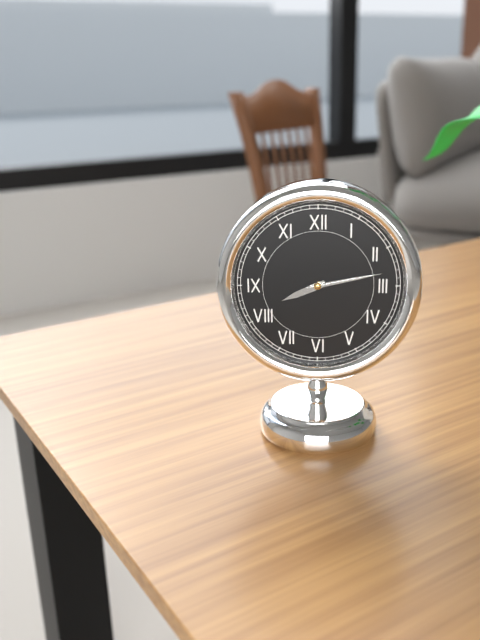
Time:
8.13.13
